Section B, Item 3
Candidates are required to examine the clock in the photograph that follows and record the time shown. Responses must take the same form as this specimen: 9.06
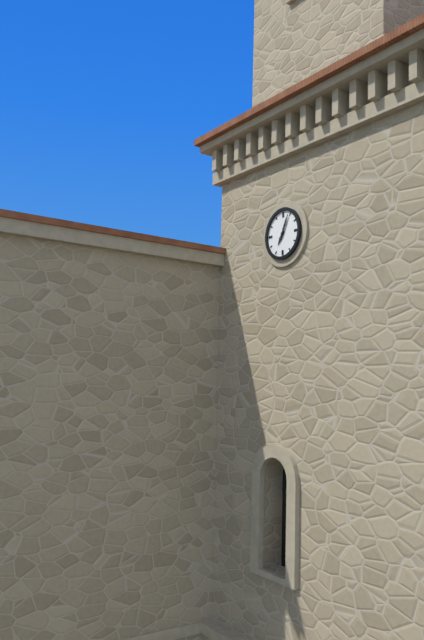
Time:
7.04
